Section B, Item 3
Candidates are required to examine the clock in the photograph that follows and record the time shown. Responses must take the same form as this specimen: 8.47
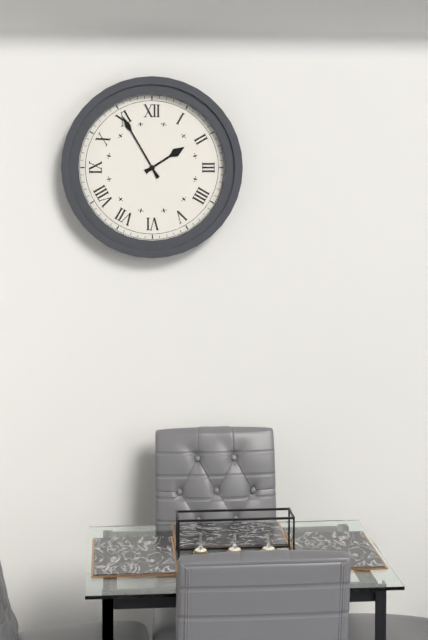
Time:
1.55
